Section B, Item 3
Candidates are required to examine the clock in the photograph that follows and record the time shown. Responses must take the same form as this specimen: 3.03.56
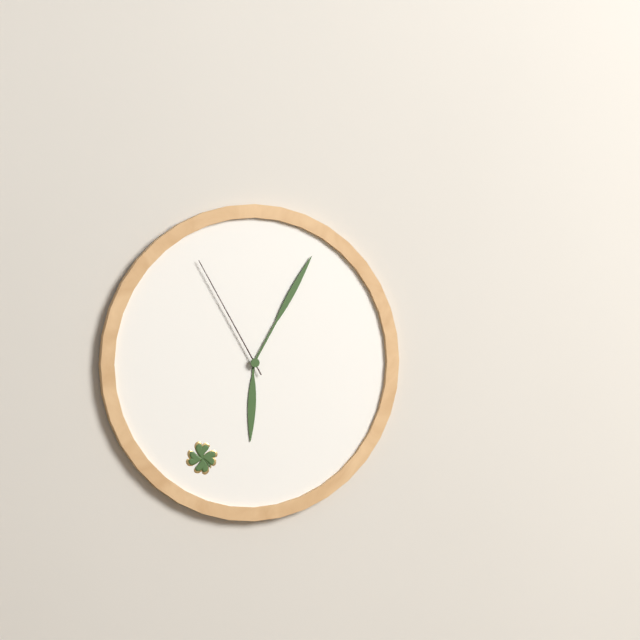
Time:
6.05.55
